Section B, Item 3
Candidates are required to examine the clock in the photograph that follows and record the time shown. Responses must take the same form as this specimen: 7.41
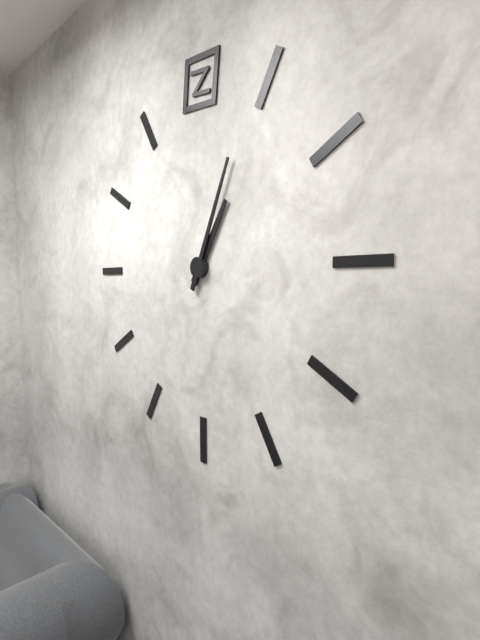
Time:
1.04
